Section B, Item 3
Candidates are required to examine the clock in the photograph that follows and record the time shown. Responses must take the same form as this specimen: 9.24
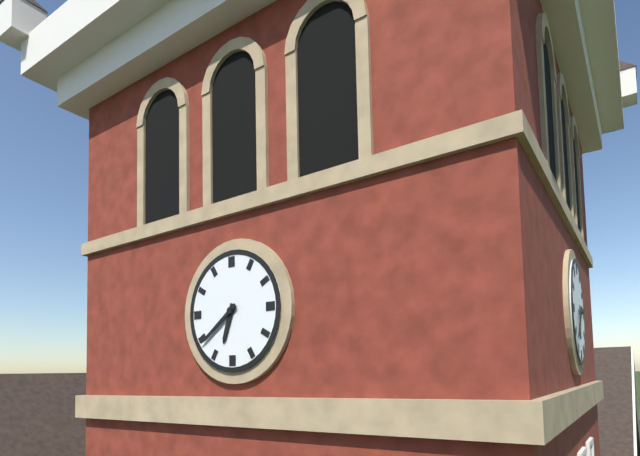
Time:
6.39
